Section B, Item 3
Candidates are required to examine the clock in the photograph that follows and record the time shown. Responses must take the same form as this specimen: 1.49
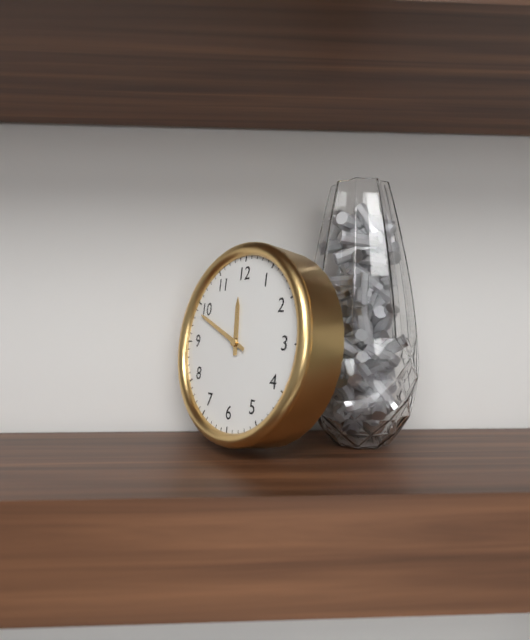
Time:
11.49
